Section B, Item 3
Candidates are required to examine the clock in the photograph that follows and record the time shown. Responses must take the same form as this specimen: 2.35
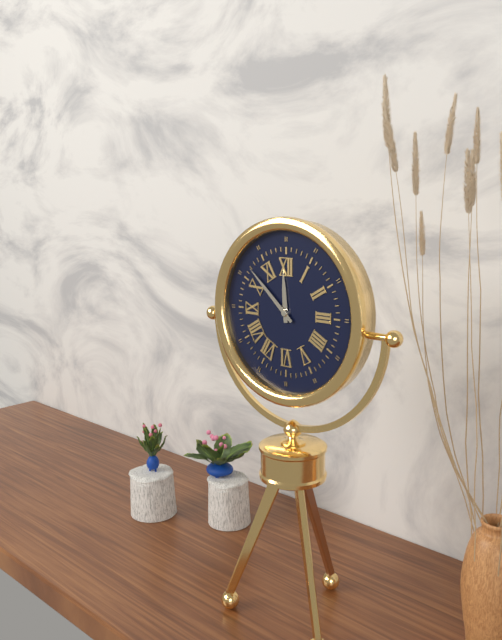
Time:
11.52
